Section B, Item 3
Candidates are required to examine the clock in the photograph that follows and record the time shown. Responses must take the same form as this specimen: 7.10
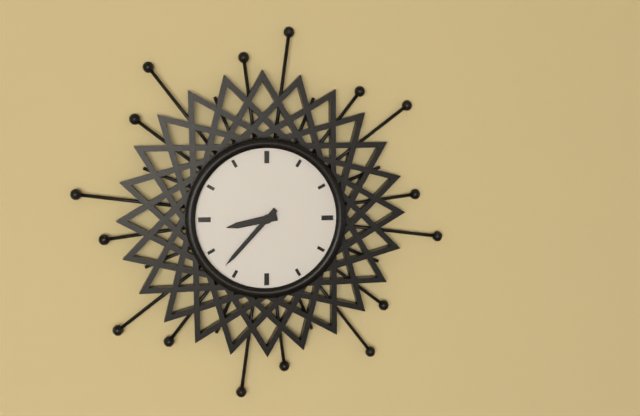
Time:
8.37
